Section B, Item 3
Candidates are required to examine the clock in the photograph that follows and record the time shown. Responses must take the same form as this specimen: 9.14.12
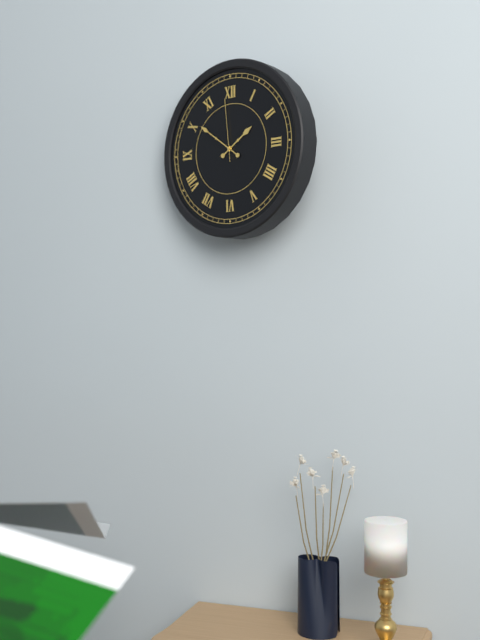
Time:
1.51.59
